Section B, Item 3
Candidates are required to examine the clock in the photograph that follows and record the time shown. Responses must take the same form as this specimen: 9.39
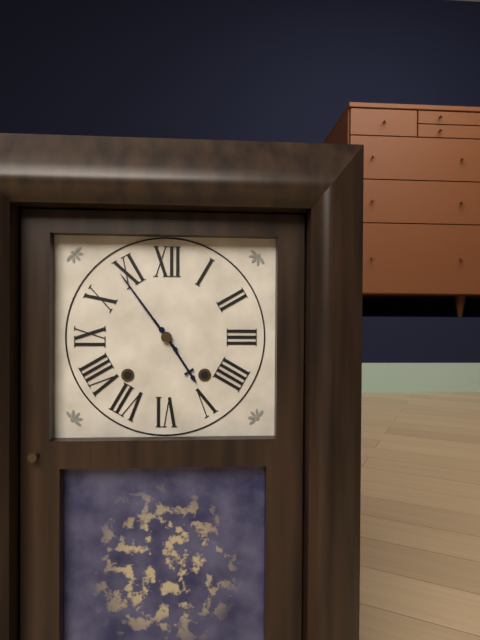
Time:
4.54
